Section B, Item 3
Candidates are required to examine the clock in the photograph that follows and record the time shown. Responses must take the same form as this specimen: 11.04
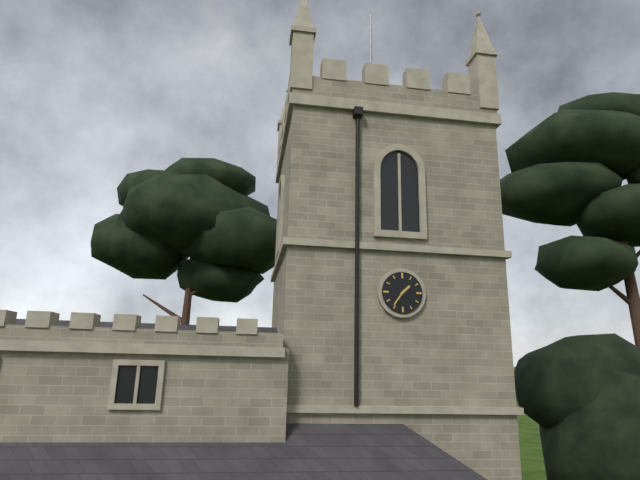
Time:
1.36
